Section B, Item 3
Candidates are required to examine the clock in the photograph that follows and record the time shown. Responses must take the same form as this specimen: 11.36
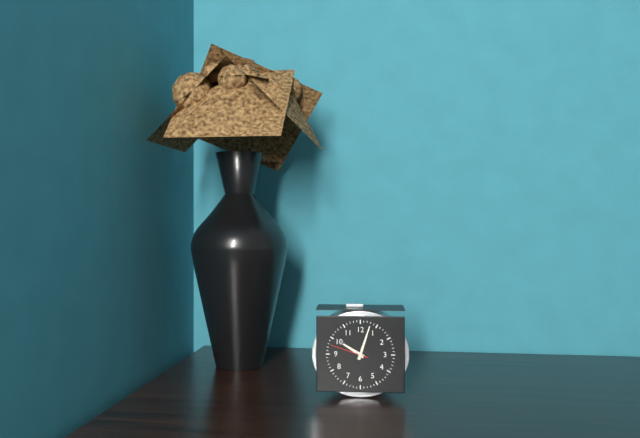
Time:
10.03
